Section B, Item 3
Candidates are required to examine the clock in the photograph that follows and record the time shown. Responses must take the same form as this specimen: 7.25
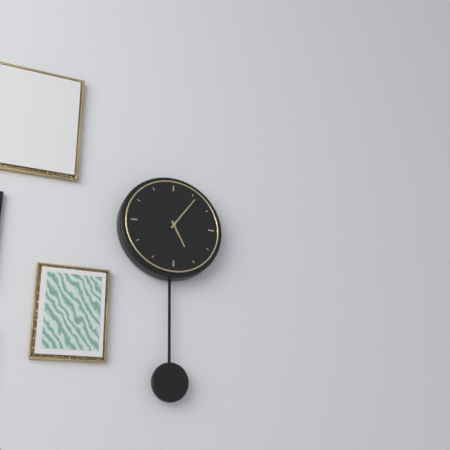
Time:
5.06
